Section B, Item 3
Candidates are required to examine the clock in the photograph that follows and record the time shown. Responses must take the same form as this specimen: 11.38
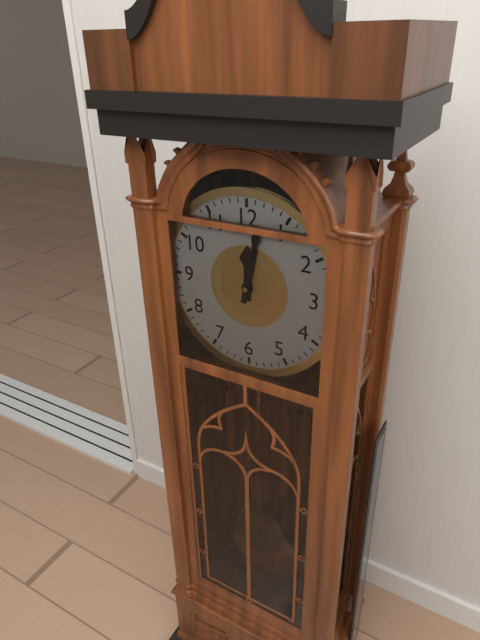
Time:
12.02
